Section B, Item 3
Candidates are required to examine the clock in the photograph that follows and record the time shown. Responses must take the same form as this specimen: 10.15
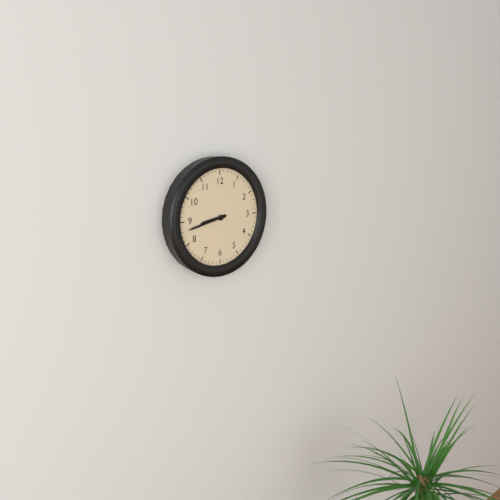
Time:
8.43
